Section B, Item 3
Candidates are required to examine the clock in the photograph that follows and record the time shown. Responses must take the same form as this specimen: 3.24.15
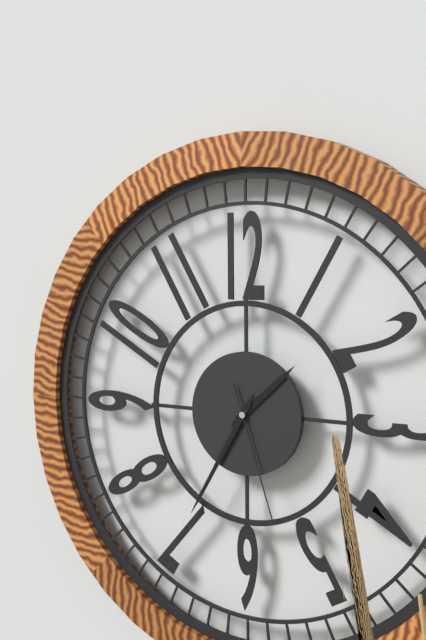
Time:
1.35.27
